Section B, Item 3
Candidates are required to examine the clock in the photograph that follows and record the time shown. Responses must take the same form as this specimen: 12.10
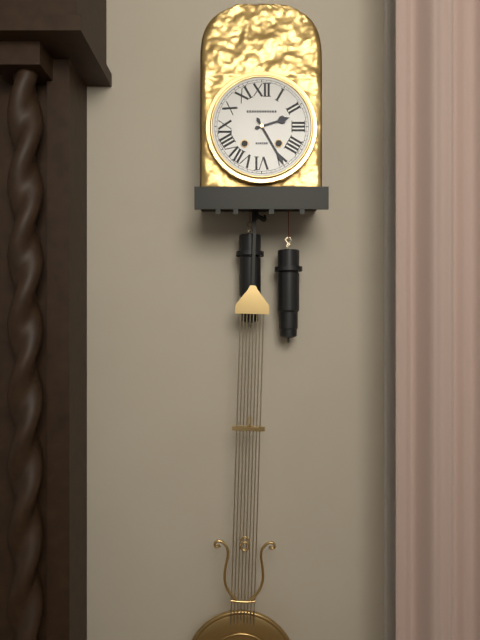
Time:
2.25
